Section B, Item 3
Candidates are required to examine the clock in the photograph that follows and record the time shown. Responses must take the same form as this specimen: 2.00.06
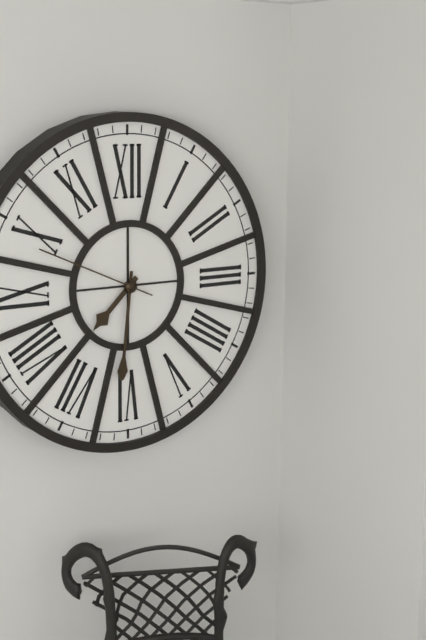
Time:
7.31.49
